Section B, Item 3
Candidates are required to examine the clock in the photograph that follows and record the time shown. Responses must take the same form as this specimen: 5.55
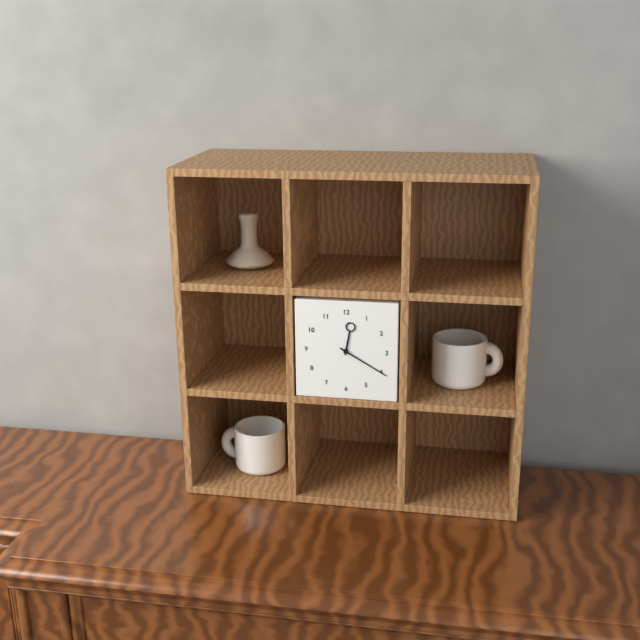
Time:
12.20
